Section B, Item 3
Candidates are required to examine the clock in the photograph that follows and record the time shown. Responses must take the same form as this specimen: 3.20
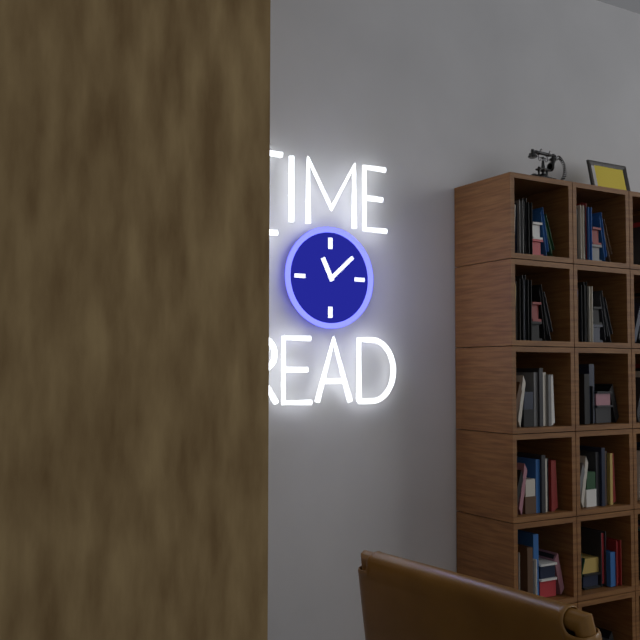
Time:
11.08
